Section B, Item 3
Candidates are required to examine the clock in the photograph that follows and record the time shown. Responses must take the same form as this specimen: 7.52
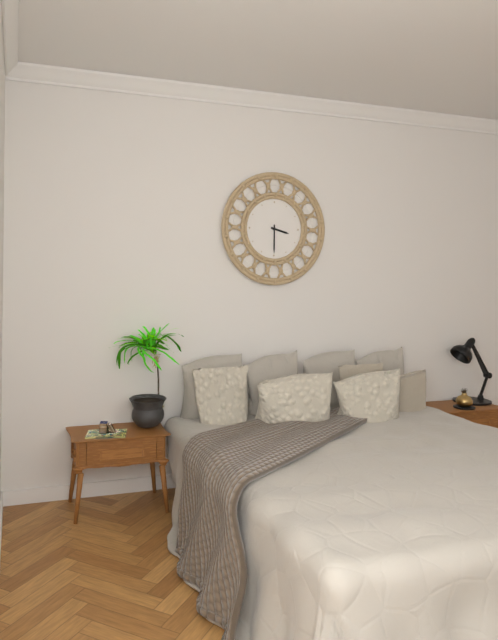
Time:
3.30
